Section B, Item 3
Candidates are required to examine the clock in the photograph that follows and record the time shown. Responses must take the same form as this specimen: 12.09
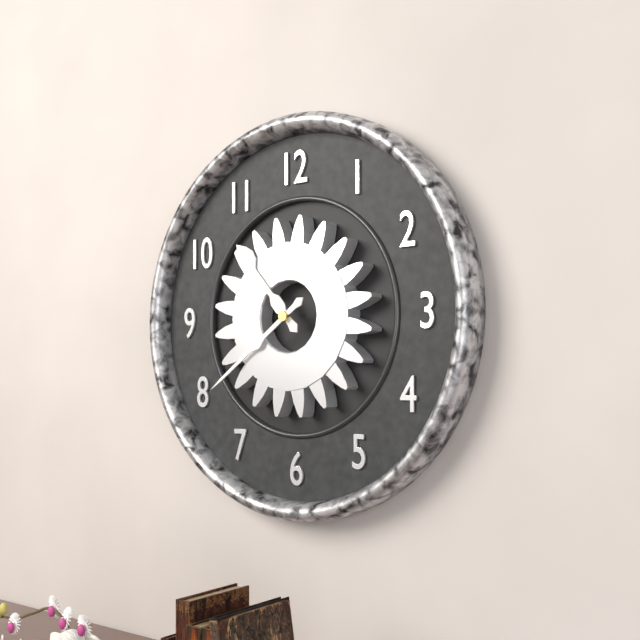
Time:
10.39
